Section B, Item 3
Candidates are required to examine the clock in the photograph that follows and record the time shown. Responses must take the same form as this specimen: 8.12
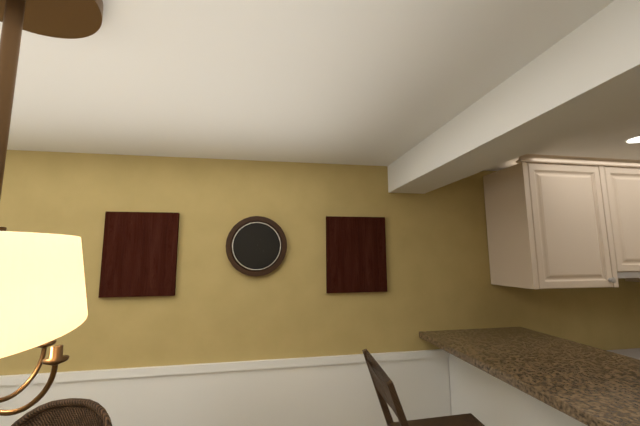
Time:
4.05
